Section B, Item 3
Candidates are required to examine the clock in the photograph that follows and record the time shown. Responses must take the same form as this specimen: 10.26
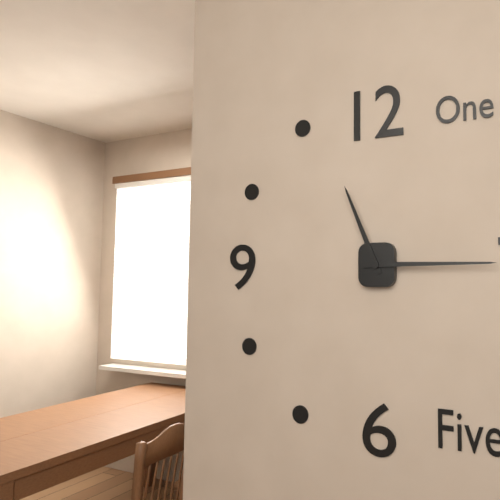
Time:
11.15
